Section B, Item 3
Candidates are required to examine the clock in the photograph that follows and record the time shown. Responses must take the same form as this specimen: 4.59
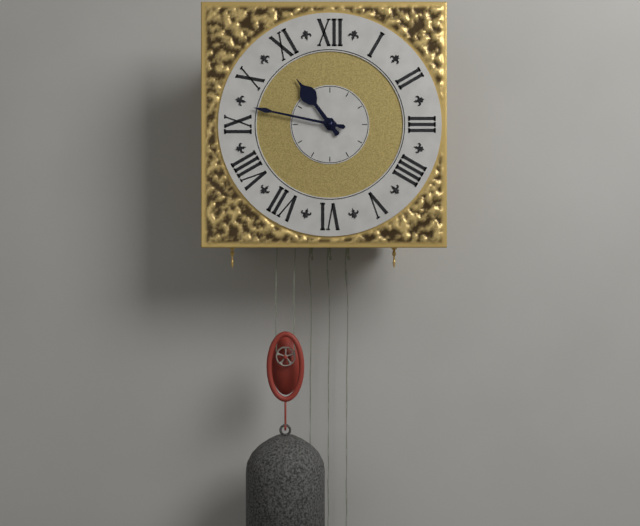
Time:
10.47
